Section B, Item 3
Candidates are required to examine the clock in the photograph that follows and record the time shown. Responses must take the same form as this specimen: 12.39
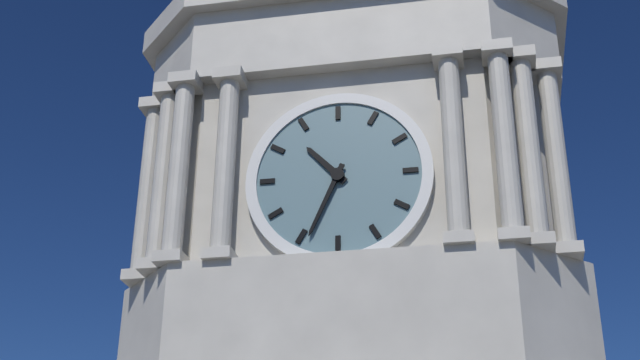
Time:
10.34
